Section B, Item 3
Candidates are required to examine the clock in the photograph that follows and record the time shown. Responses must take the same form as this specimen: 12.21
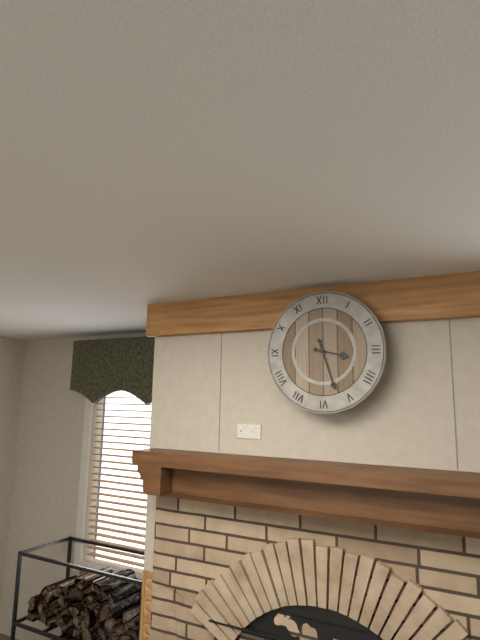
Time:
3.27
